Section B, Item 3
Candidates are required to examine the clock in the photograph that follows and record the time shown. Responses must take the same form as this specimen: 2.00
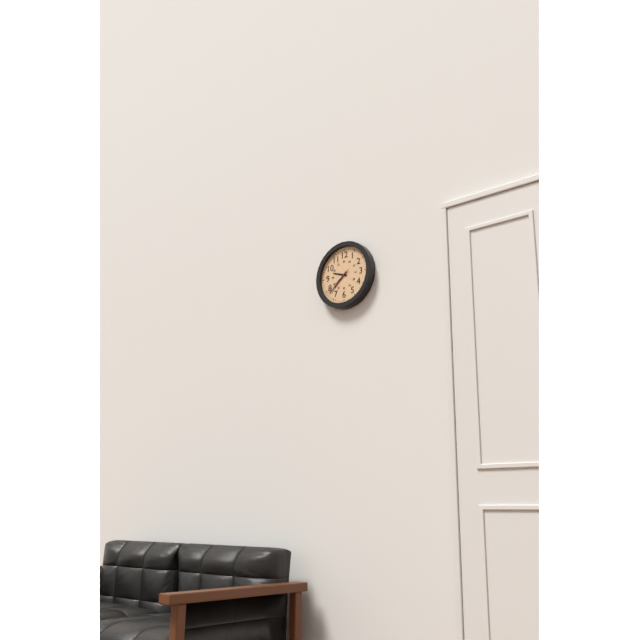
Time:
9.38
